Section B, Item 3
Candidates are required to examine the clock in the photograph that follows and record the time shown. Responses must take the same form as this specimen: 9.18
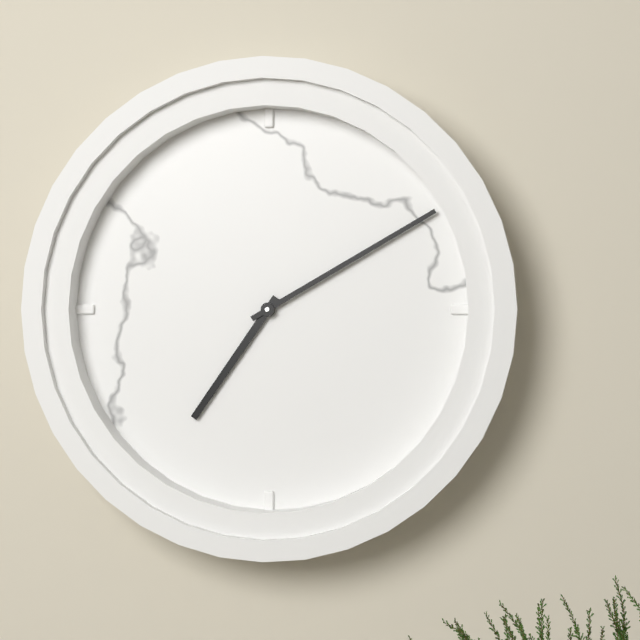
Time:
7.10
